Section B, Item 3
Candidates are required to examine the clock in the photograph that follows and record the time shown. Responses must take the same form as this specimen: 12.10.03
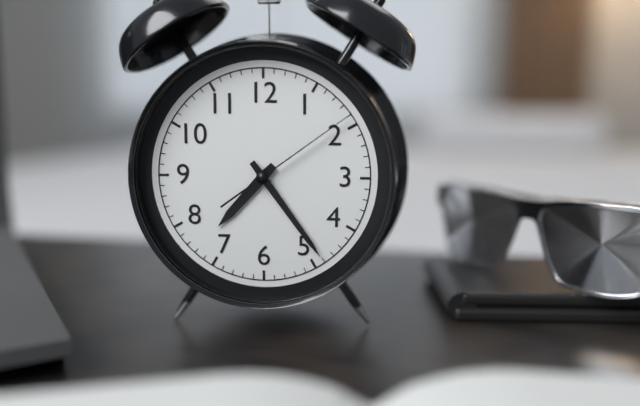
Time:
7.24.09
